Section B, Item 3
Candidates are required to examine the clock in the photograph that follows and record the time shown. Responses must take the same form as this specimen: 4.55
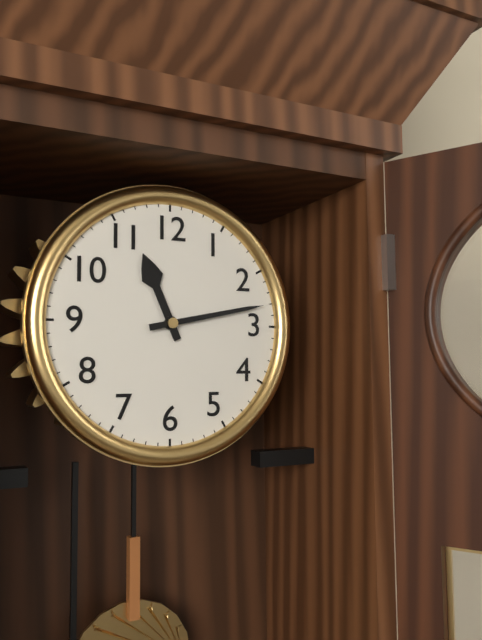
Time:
11.13
